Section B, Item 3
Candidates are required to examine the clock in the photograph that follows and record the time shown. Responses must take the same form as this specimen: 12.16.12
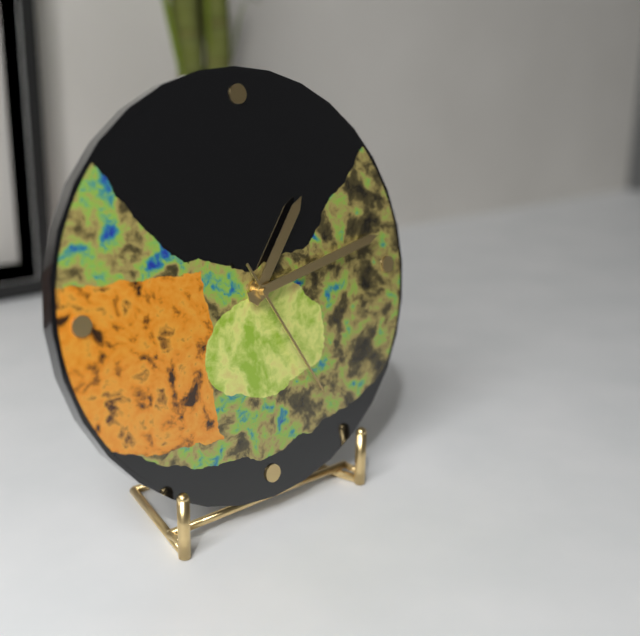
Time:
1.13.25
